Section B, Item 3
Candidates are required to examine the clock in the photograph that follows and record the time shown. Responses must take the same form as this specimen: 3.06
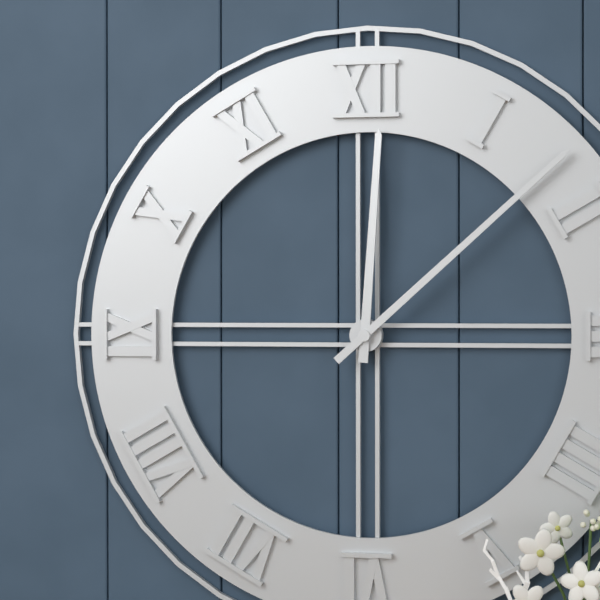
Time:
12.08
